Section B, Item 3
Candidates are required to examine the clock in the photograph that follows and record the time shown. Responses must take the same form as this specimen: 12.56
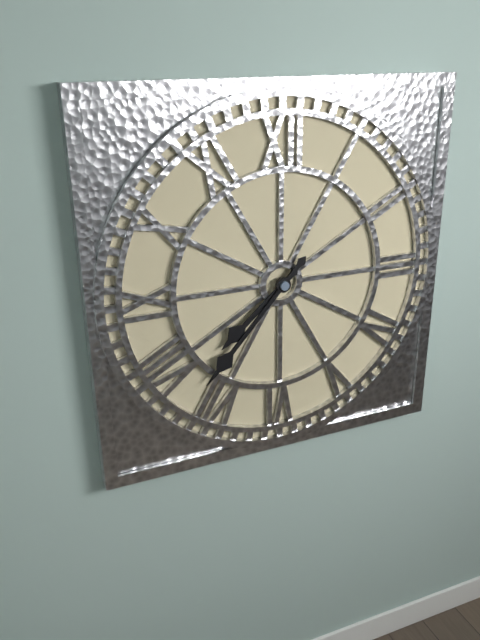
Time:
7.37
